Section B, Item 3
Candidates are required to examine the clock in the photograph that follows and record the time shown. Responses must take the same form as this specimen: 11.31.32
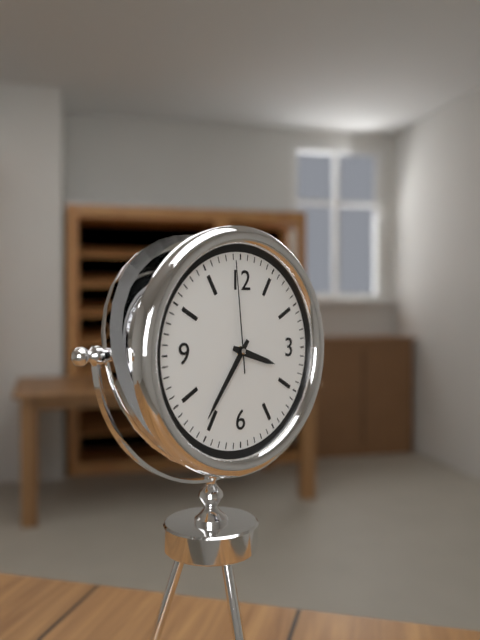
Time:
3.36.59
